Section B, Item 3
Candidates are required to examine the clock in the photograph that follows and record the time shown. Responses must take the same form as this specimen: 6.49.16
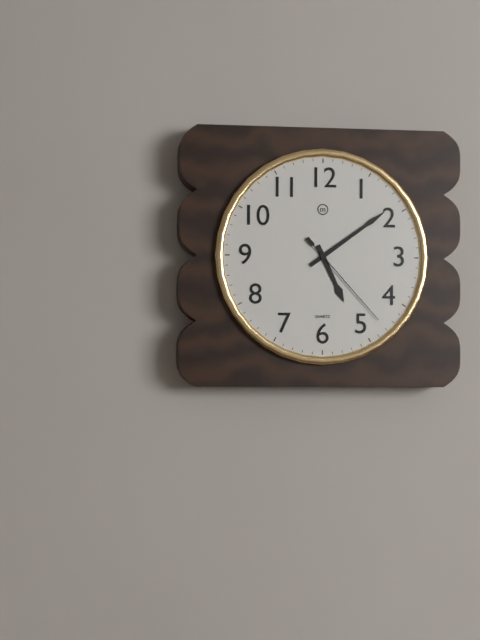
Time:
5.09.23
